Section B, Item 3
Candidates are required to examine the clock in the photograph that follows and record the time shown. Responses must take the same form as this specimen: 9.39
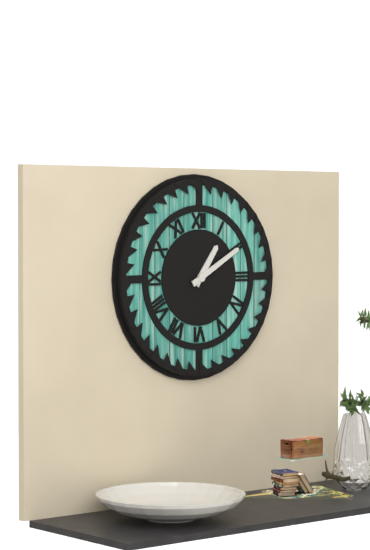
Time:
1.10
